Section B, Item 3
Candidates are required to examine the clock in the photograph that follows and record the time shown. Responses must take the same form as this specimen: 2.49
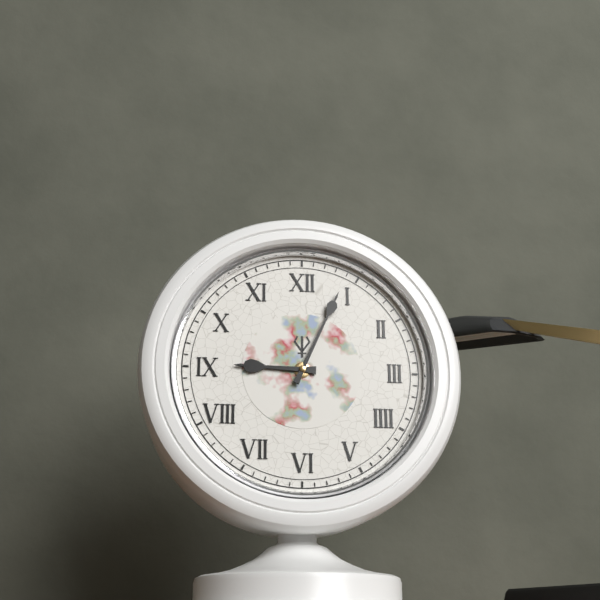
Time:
9.04
